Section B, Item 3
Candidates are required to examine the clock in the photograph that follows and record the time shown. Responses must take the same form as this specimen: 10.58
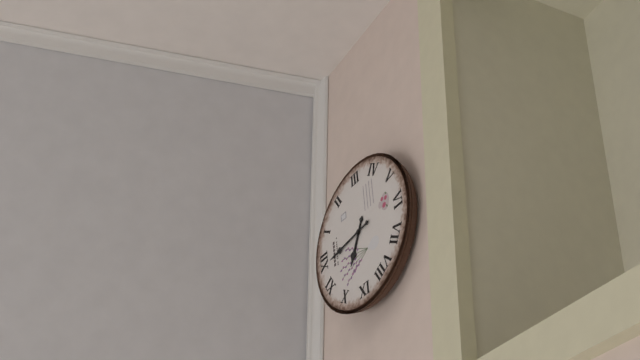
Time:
9.59
